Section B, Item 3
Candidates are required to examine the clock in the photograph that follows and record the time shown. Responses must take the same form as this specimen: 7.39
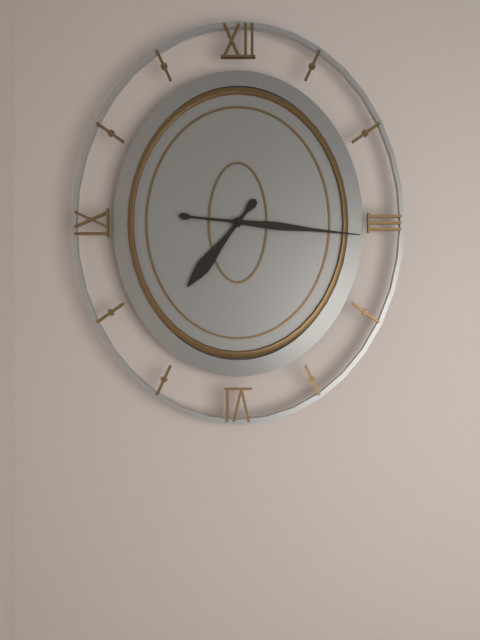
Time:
7.16
